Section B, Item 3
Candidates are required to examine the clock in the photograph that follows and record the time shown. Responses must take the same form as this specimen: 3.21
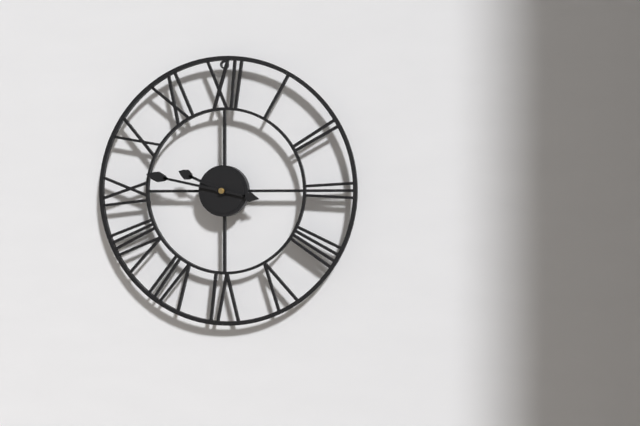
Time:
9.47
